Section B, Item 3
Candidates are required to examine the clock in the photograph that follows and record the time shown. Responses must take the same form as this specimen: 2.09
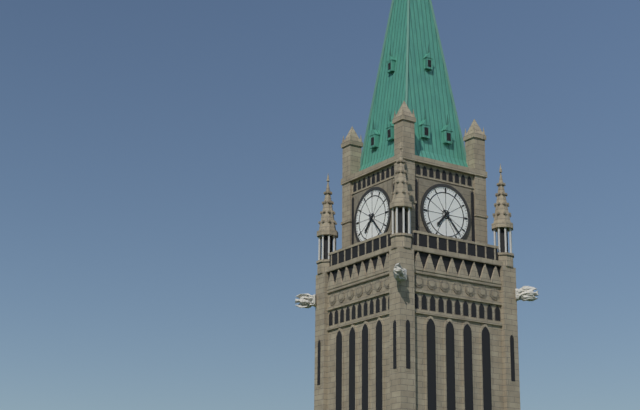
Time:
7.23
